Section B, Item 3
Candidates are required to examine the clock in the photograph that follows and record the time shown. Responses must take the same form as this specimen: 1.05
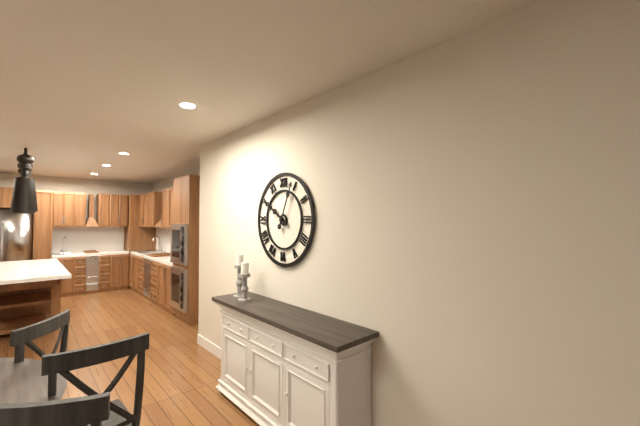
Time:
10.04
